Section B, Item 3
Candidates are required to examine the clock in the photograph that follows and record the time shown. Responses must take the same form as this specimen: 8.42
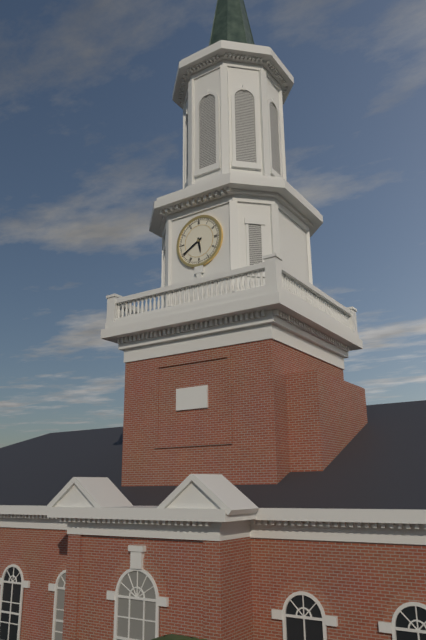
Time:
5.40
